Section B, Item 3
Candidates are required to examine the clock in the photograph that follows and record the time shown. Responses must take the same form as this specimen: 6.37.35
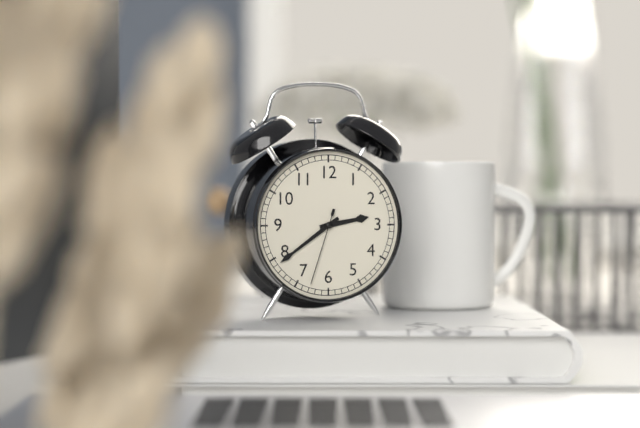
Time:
2.39.33
